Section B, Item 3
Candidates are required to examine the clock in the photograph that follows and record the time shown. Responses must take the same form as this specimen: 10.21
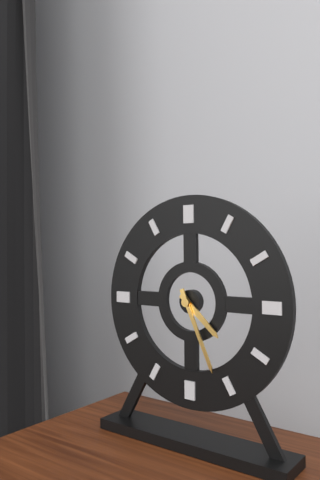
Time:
4.26
